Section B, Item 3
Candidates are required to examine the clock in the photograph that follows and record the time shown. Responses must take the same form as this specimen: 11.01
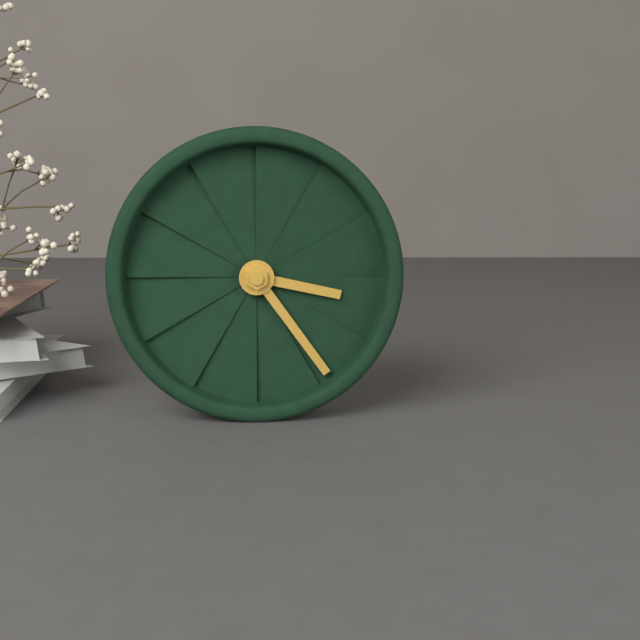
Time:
3.24
